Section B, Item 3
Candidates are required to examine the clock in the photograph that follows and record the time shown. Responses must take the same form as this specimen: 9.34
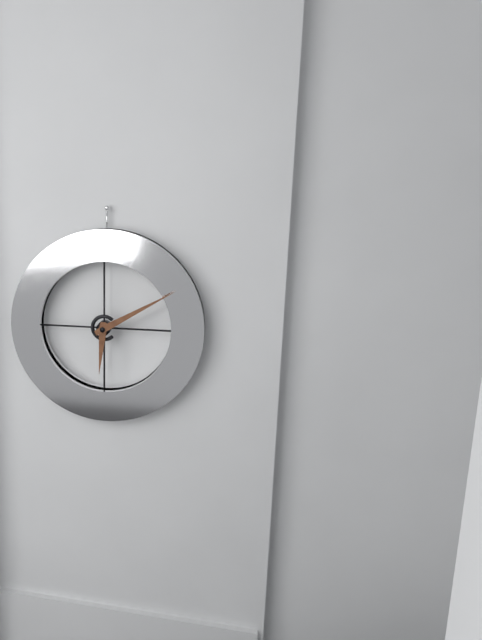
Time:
6.10
